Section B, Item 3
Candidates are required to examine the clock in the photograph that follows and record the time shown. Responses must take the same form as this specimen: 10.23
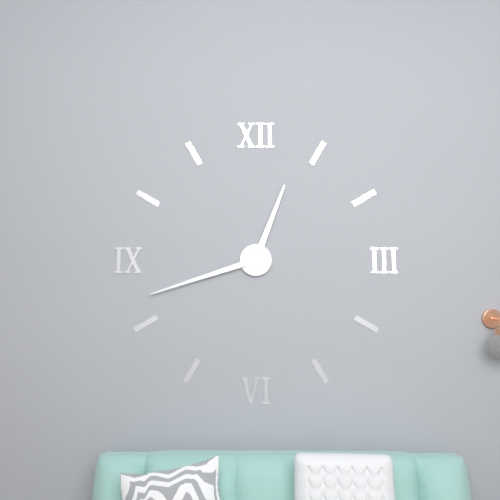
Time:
12.42
